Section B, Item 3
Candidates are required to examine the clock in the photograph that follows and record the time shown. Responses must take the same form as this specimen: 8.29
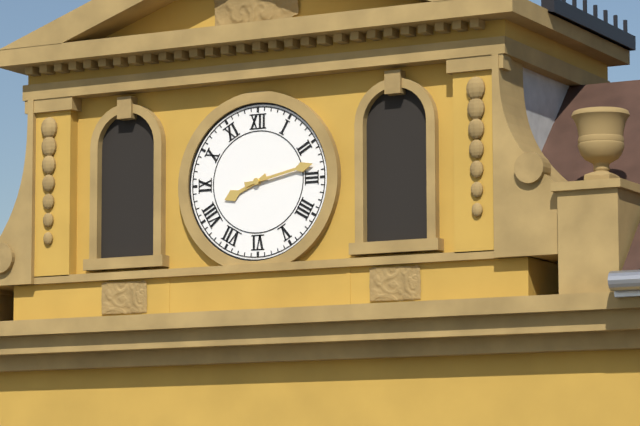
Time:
8.13
